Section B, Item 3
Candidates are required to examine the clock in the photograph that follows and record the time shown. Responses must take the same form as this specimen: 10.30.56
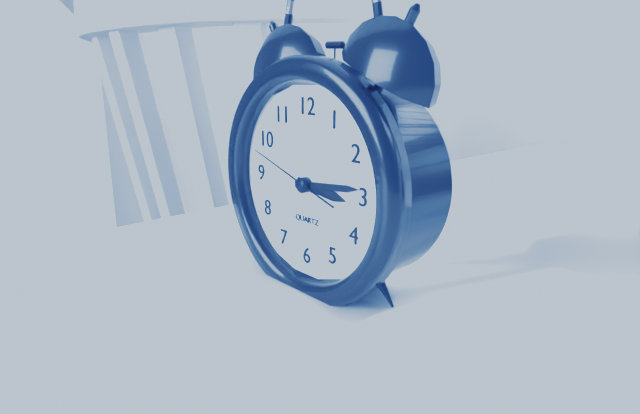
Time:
3.14.48
